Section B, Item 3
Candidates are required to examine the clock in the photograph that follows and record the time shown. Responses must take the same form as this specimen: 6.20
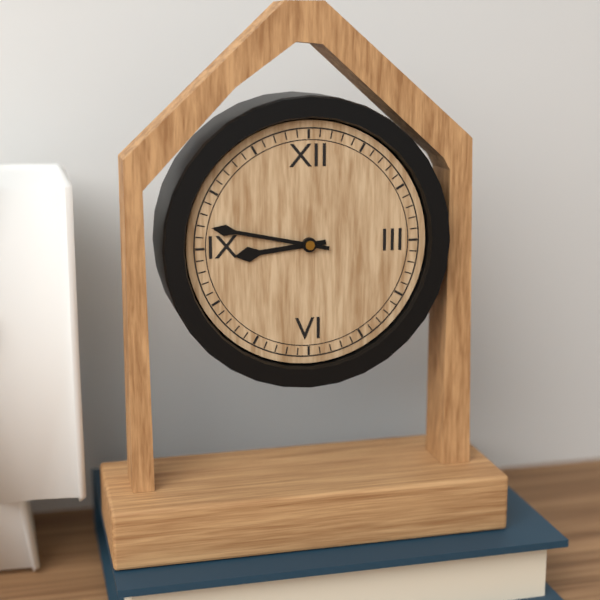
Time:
8.47
